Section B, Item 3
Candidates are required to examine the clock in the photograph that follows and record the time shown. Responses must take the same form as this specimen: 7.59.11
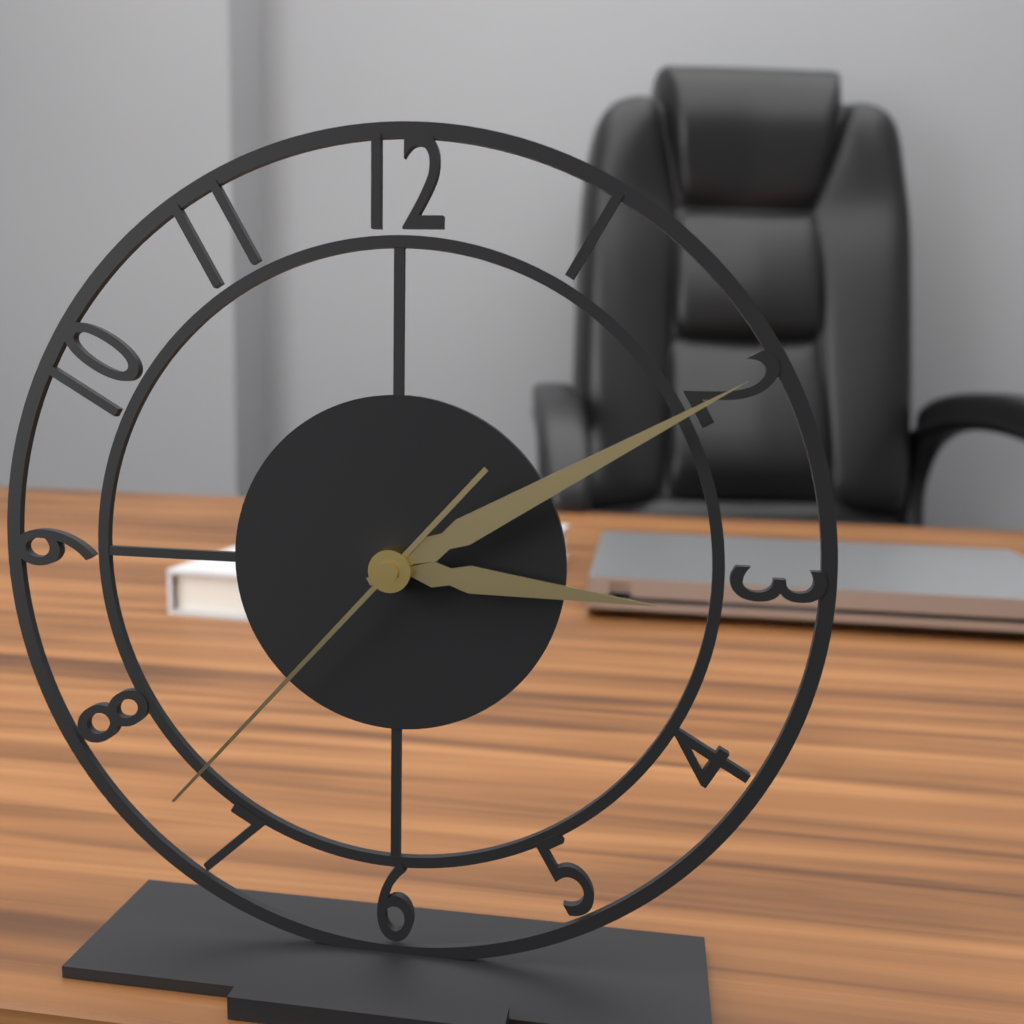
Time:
3.10.37
